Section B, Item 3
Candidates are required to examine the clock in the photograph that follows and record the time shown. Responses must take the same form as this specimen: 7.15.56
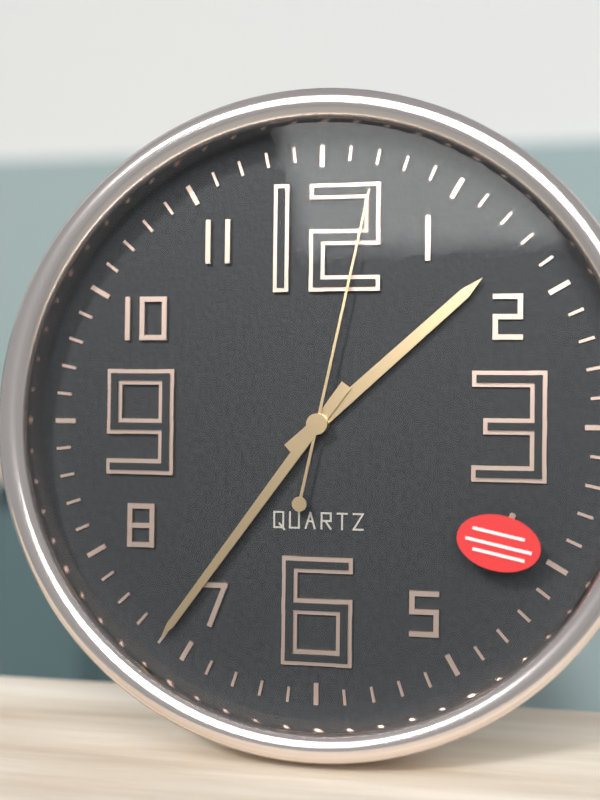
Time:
1.36.02
